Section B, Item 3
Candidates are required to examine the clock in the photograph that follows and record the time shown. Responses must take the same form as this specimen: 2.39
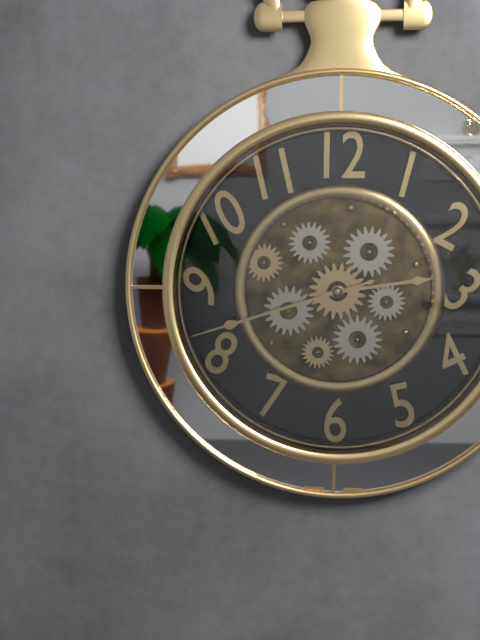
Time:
2.42
